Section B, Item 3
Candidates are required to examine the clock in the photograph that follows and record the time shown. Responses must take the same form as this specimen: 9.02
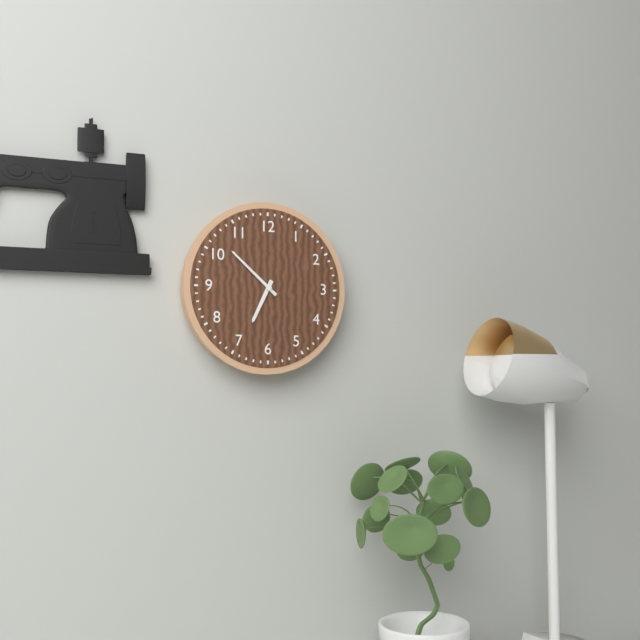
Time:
6.52
